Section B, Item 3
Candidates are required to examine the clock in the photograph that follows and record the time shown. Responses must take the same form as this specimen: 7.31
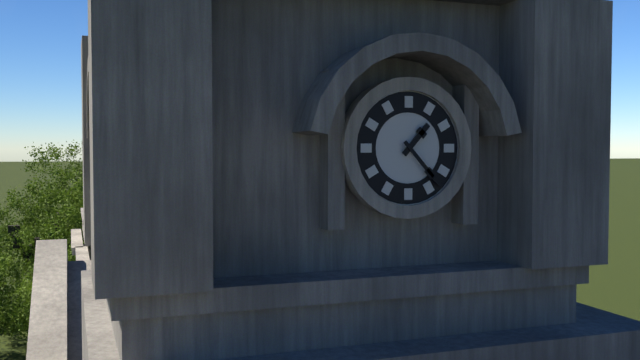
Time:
1.23
